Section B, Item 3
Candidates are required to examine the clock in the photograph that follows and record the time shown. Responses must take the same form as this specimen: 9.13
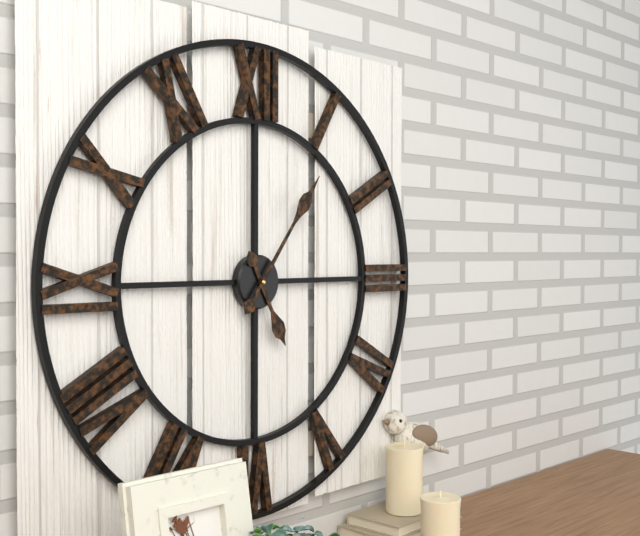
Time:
5.06
